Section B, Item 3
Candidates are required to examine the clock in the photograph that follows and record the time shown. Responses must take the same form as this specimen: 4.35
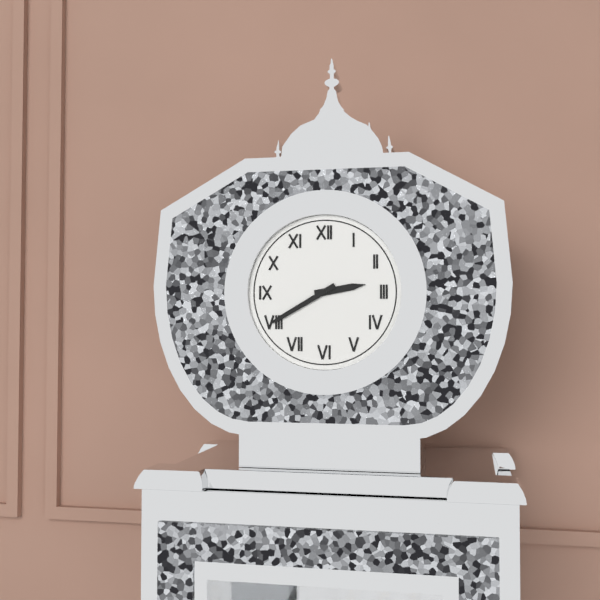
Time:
2.40
